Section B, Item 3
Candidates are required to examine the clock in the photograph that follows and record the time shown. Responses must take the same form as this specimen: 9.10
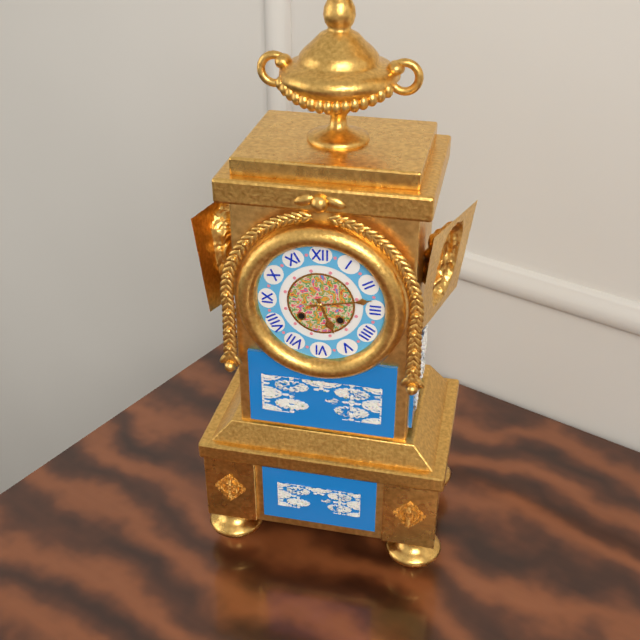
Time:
5.13
